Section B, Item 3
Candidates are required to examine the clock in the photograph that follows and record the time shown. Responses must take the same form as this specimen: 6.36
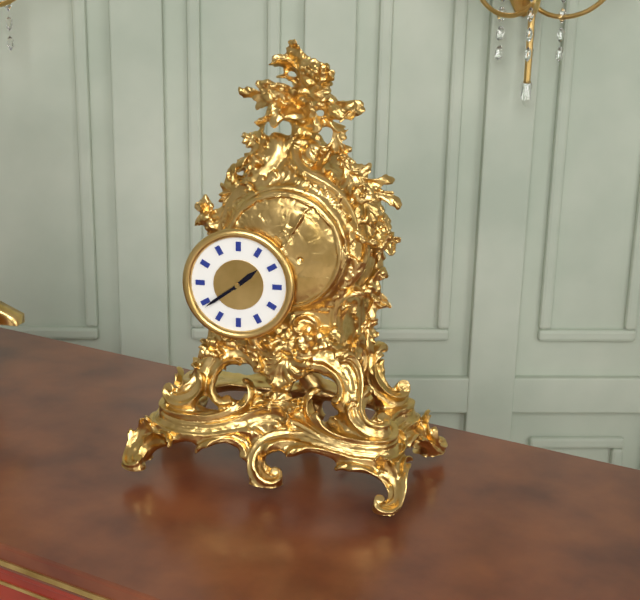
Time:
1.39
